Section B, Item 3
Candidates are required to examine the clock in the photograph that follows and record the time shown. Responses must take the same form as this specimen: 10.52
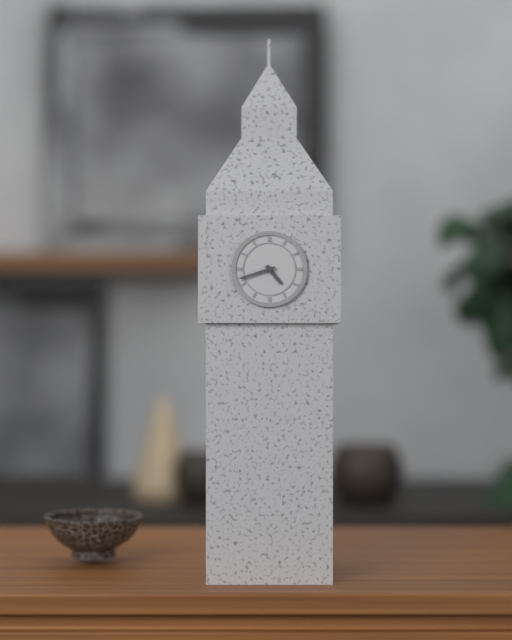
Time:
4.42
